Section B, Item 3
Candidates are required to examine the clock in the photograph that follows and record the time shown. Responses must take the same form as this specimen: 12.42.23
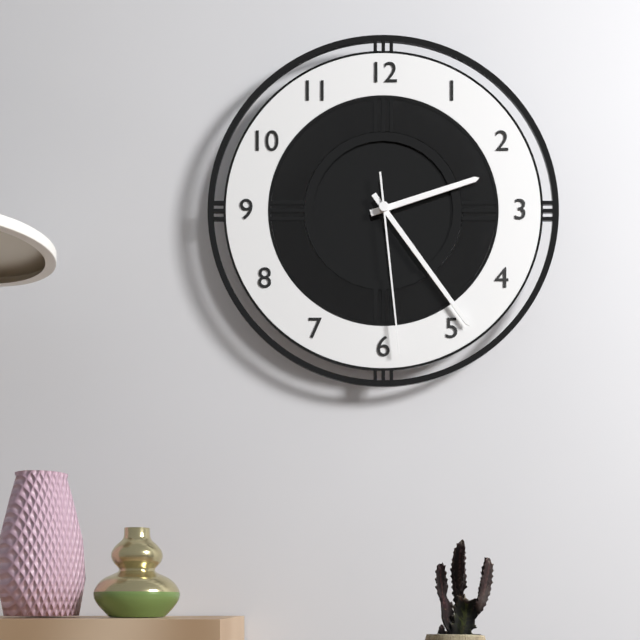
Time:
2.24.29
